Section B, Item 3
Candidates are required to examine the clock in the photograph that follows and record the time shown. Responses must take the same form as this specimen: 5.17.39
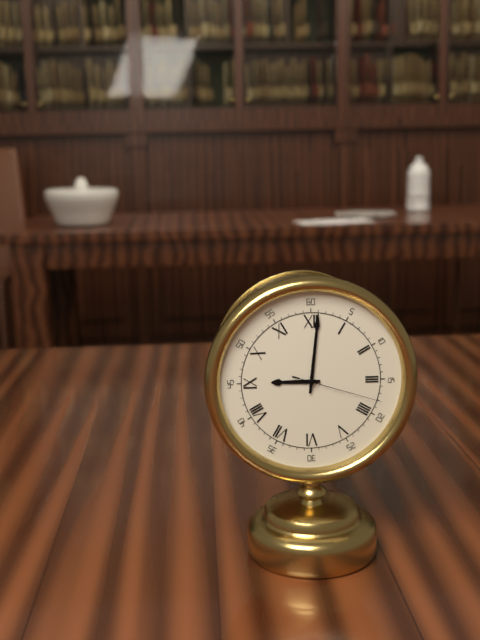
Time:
9.01.18
